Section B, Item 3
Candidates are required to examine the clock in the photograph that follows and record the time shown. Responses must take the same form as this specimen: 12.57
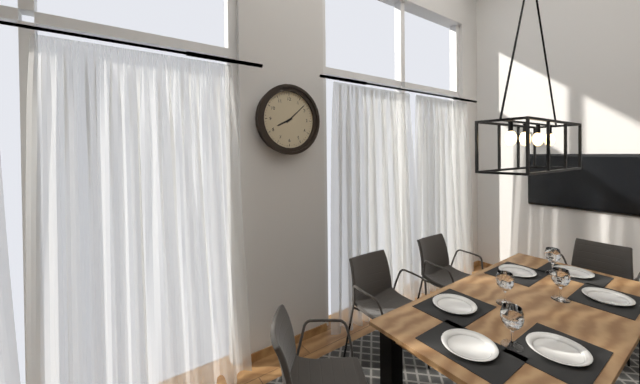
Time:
8.08
